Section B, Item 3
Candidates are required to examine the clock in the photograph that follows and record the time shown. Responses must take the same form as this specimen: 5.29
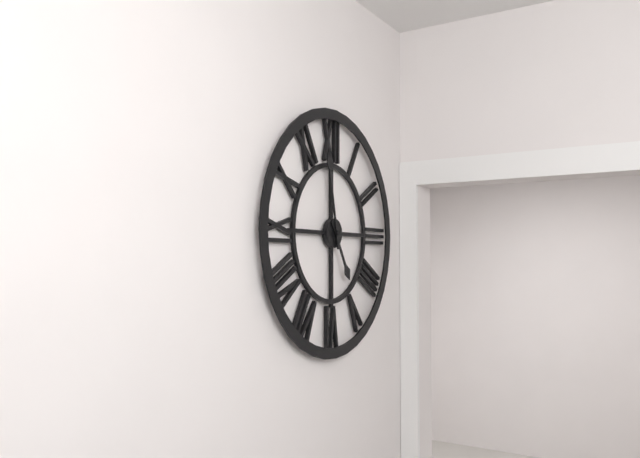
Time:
4.58
